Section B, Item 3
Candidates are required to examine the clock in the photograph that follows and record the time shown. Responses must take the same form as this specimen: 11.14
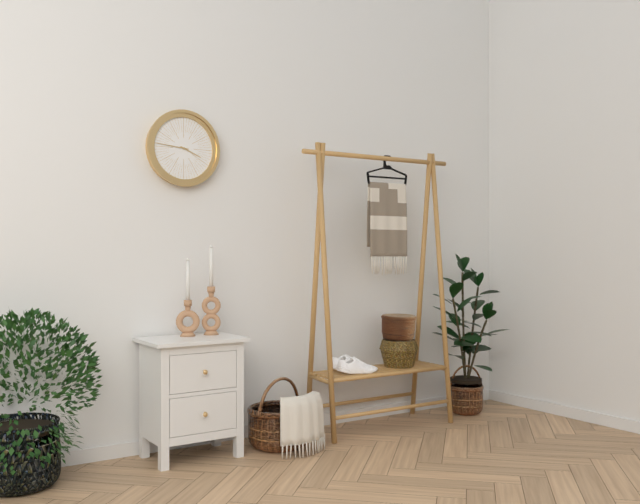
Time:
3.46
